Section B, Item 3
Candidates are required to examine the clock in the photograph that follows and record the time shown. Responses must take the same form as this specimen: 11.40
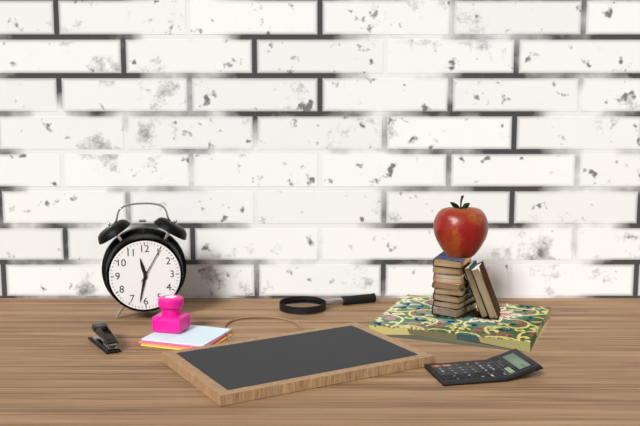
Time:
11.32
